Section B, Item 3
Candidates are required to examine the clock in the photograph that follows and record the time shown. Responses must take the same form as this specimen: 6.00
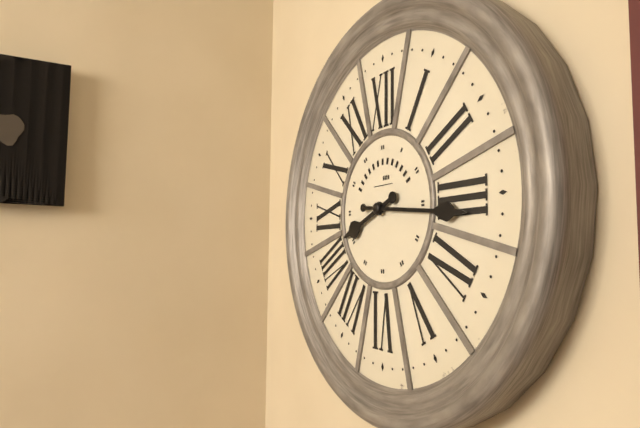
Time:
8.16
